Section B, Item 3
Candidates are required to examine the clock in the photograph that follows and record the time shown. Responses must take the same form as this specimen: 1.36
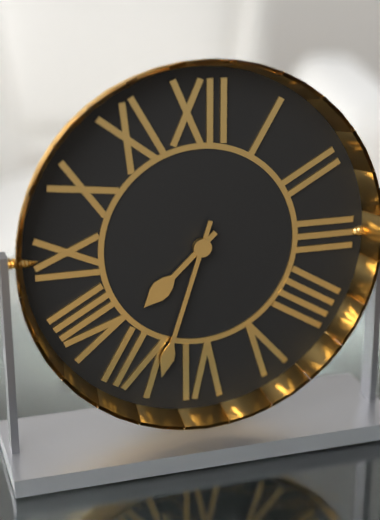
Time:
7.33
